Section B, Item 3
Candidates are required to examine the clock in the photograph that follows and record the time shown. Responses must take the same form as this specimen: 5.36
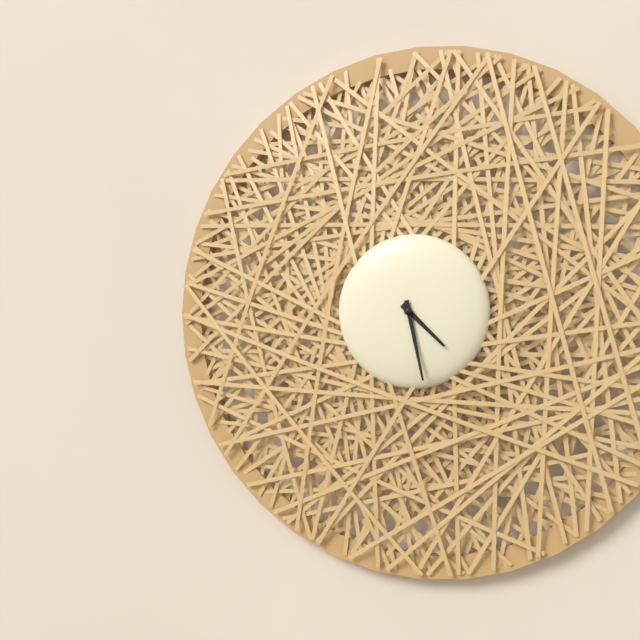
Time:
4.28
